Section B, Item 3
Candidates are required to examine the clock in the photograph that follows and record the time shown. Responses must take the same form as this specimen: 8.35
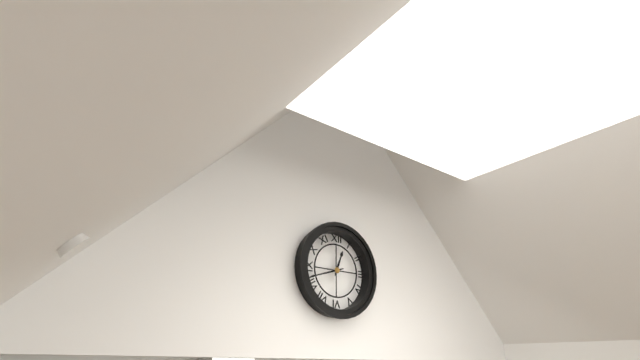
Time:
12.42
